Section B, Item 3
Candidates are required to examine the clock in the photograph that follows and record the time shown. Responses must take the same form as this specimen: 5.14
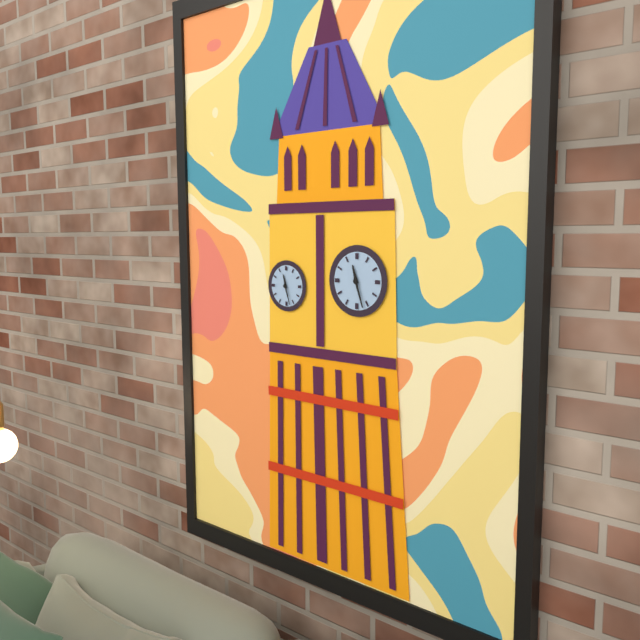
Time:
11.27
